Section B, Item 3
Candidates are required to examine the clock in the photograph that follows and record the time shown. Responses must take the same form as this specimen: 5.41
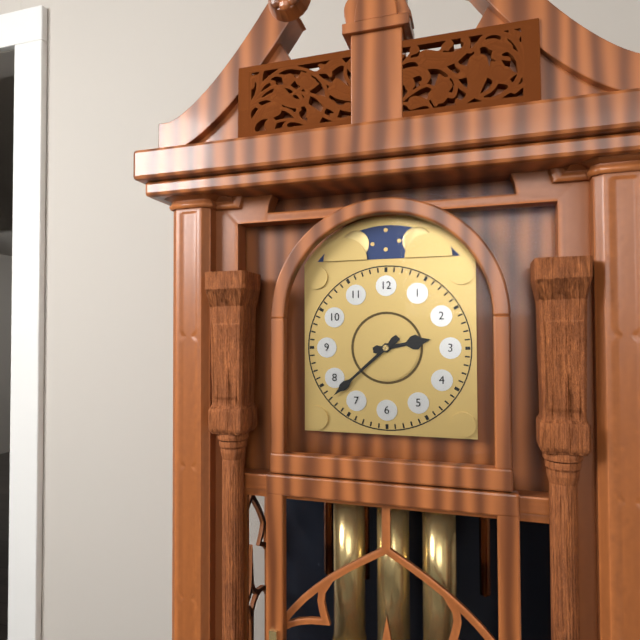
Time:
2.38
